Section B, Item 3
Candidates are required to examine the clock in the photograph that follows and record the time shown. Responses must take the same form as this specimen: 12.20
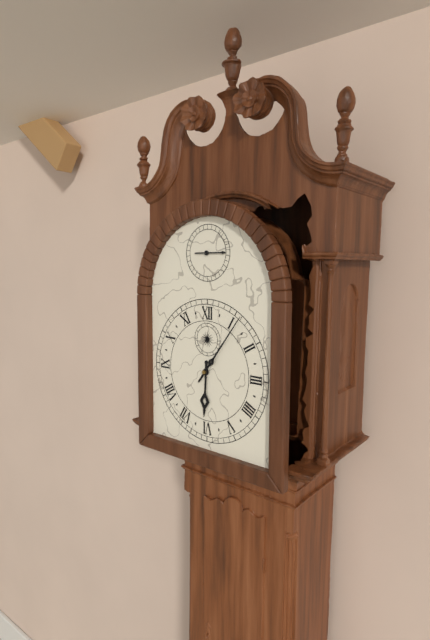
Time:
6.06
